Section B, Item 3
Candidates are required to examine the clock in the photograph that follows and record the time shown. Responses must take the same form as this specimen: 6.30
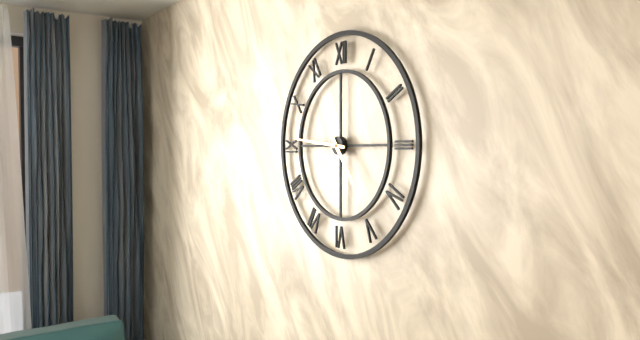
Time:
4.46
